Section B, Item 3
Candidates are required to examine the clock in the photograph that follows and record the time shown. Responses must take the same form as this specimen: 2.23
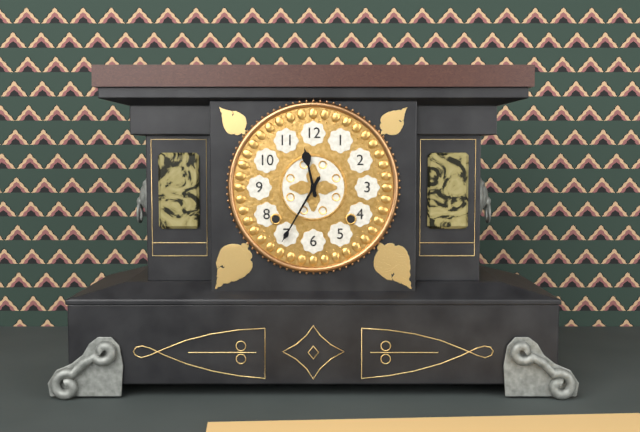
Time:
11.35
